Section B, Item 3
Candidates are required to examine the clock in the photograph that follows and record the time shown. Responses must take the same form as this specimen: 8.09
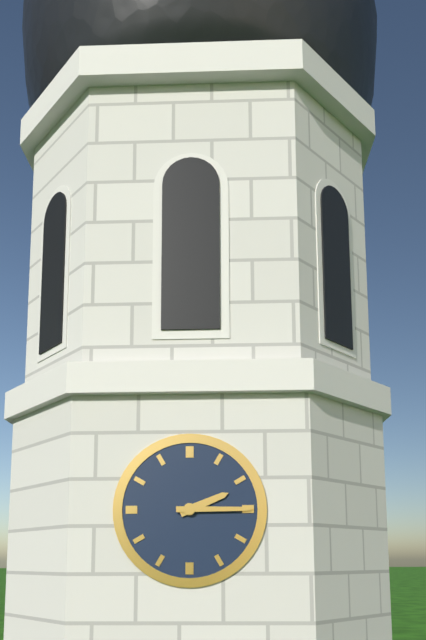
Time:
2.15
